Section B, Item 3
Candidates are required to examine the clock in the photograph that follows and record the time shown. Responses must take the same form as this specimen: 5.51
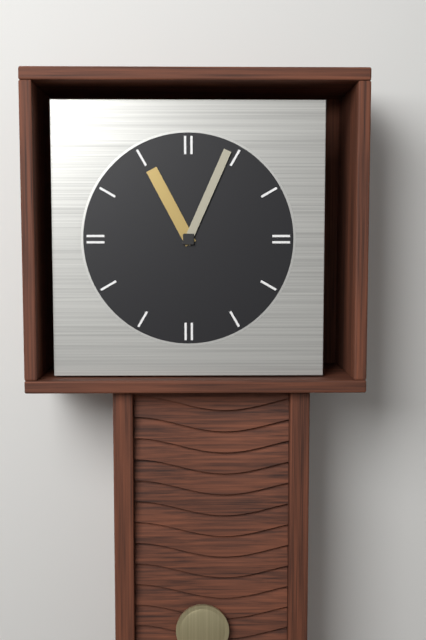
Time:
11.04
